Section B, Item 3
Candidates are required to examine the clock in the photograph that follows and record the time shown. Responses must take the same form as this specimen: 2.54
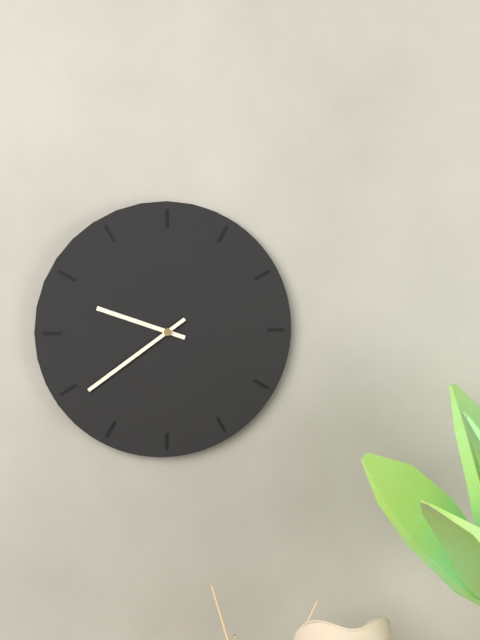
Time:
9.39
